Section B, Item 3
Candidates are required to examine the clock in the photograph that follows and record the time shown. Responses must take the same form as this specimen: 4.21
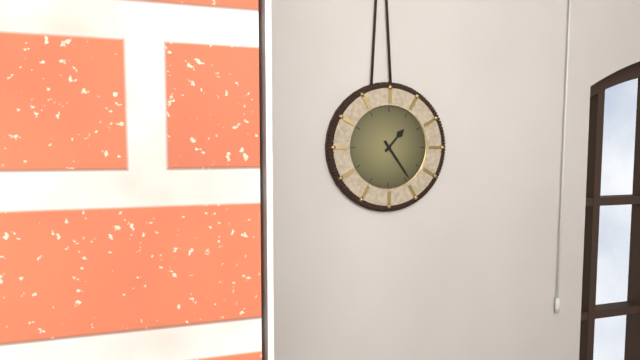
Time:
1.24
